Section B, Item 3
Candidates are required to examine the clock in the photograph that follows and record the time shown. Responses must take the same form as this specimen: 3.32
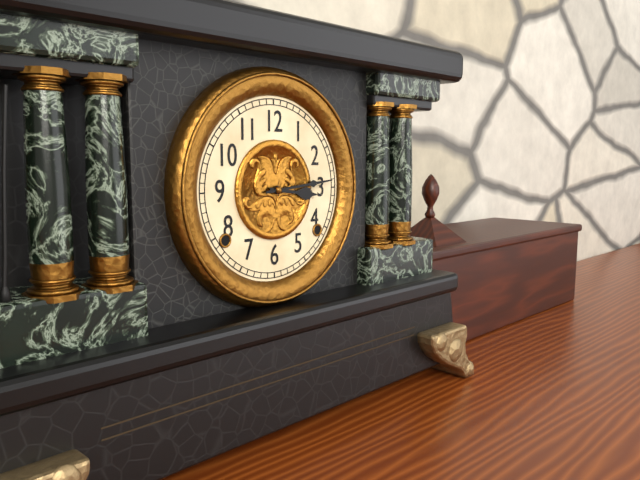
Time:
3.14
